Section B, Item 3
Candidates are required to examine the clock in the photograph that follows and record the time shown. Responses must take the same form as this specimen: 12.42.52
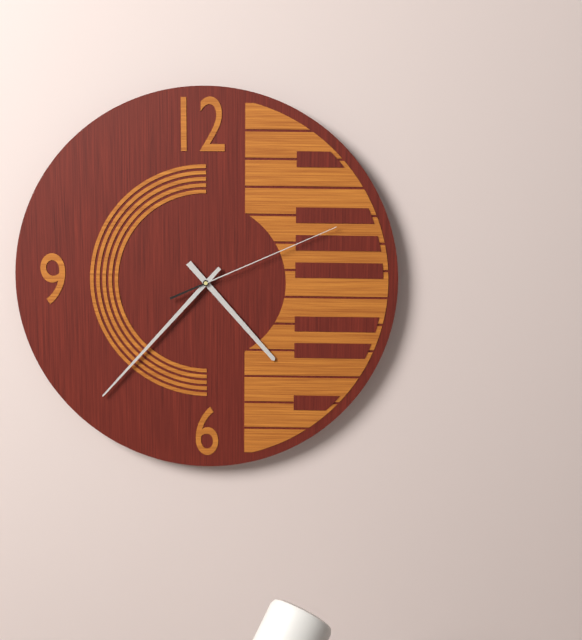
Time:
4.37.11
